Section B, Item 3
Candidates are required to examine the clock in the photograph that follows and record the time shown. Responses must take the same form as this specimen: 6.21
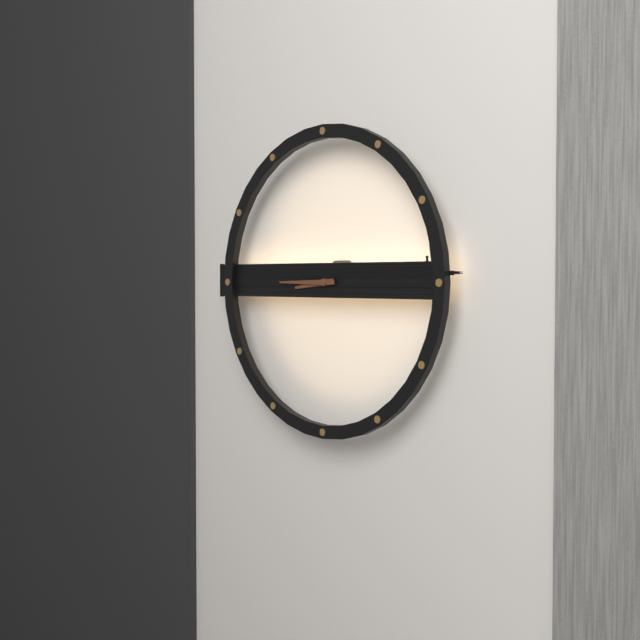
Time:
8.45
